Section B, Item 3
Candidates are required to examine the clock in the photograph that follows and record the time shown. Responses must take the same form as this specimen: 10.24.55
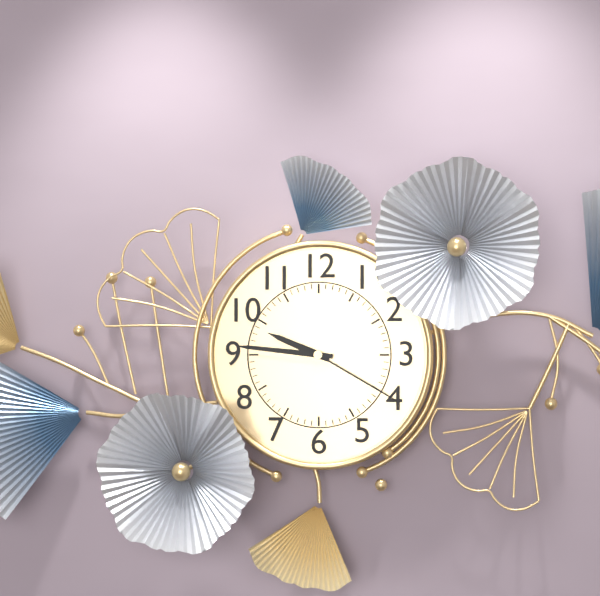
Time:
9.46.20
